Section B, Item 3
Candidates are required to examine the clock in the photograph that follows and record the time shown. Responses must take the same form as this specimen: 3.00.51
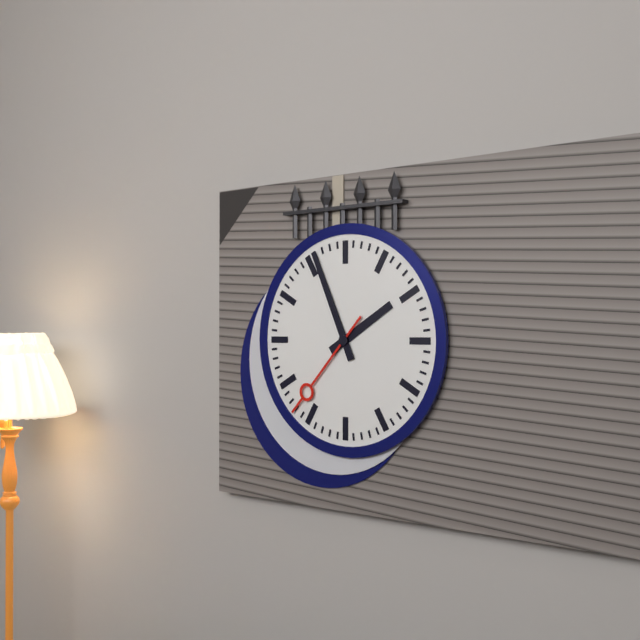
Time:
1.56.37
